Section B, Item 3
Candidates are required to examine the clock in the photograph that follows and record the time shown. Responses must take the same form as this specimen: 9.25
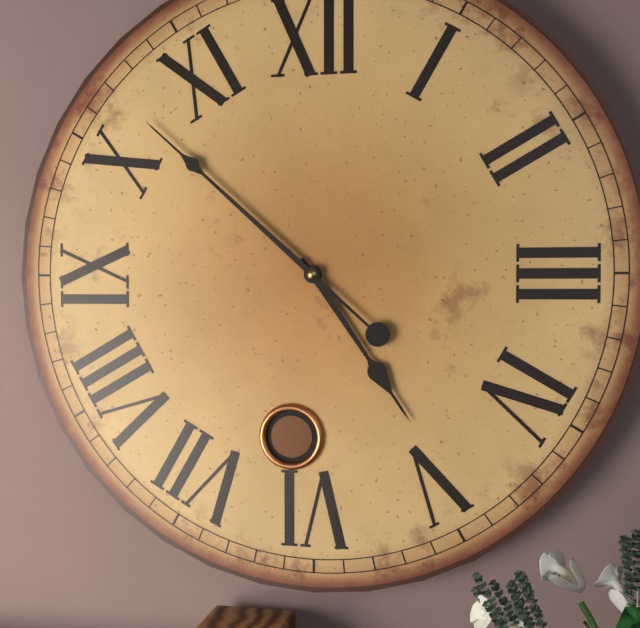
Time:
4.52
